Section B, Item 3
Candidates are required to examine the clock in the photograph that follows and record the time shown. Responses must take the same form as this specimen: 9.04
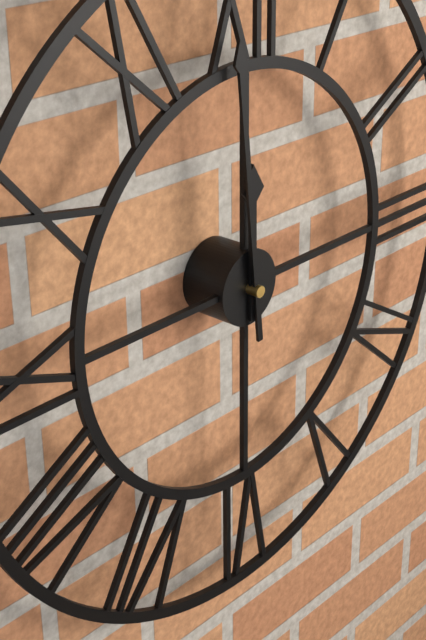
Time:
11.59
